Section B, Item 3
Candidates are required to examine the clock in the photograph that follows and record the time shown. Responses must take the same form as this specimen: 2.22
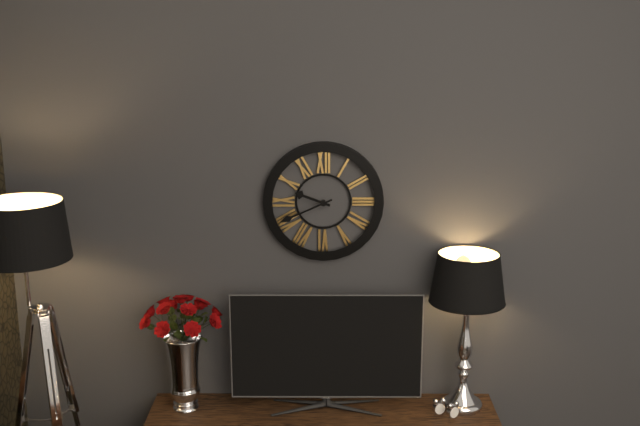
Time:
9.41
